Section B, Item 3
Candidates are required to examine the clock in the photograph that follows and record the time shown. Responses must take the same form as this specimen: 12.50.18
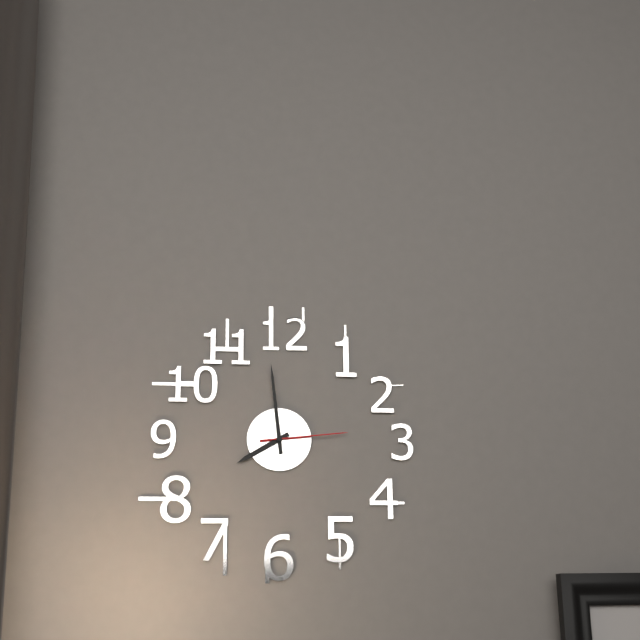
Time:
7.59.14
